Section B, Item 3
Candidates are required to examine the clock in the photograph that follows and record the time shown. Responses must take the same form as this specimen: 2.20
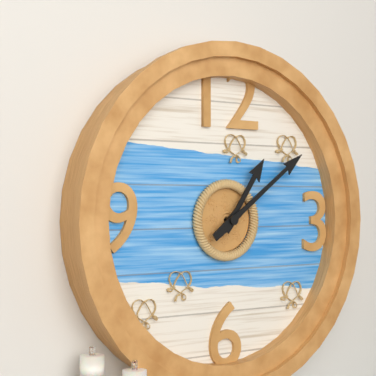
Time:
1.09
